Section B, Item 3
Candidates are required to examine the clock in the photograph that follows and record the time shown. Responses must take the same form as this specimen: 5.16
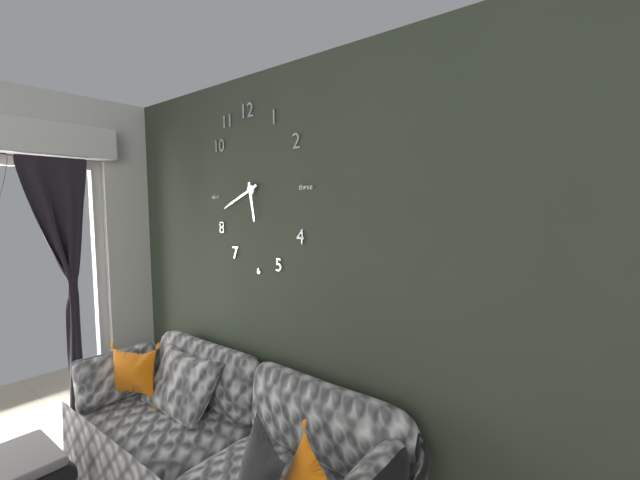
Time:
5.41
